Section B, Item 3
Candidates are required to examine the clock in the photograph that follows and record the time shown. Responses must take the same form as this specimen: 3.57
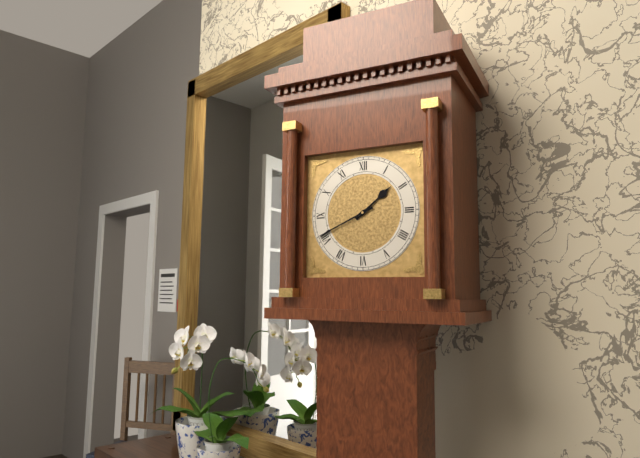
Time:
1.41
